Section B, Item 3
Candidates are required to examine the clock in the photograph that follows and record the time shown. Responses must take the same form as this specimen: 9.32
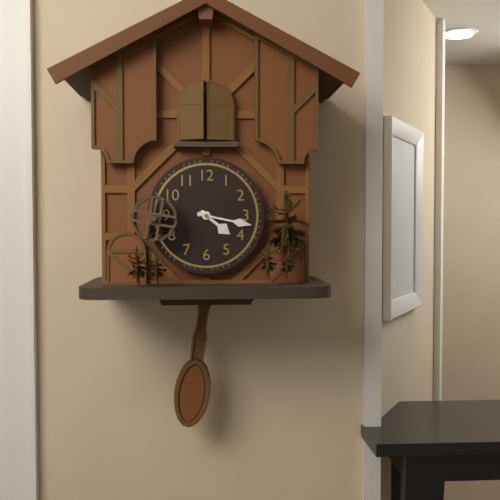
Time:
4.17
